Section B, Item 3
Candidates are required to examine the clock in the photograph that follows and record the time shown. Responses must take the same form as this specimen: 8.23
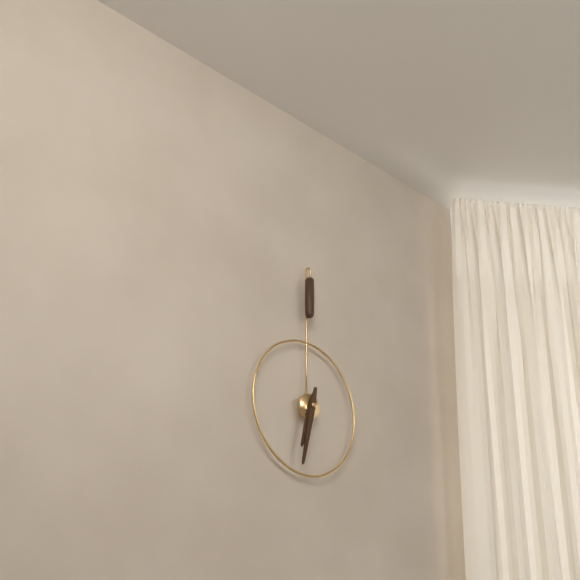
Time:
6.32
